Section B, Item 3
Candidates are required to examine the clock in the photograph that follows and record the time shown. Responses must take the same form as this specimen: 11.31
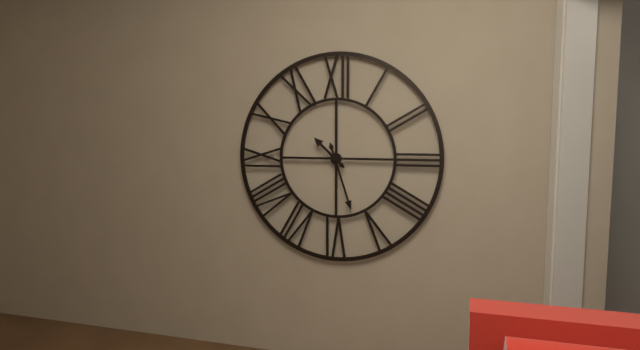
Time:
10.27
